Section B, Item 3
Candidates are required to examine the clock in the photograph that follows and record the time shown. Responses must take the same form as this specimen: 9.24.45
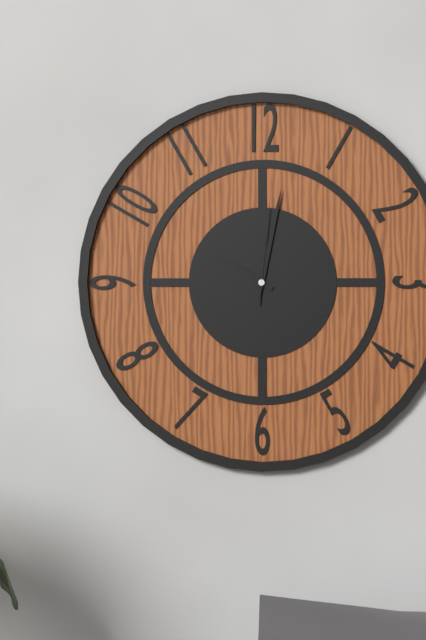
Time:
10.02.01
